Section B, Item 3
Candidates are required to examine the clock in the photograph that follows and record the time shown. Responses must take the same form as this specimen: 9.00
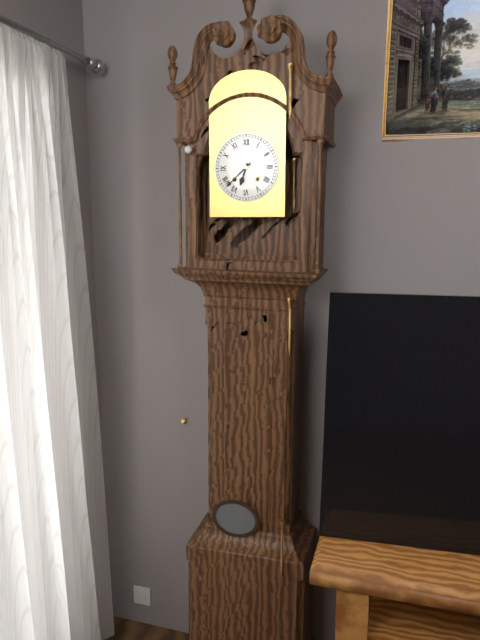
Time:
6.38
